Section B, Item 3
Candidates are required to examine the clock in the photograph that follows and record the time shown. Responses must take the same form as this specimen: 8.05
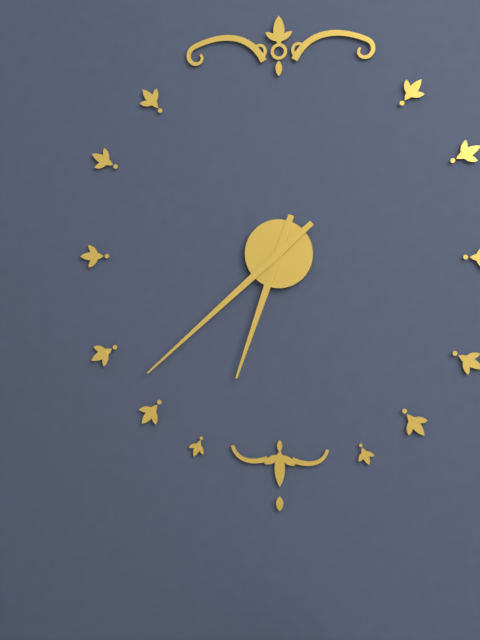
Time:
6.38
